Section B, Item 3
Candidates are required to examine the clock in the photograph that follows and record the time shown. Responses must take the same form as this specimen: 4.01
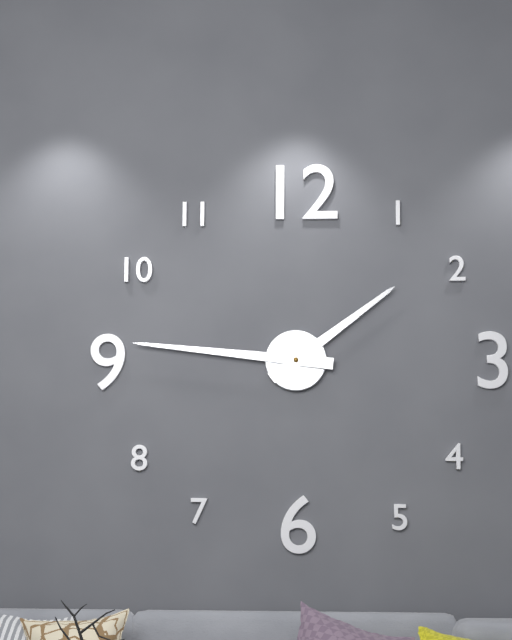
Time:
1.46
